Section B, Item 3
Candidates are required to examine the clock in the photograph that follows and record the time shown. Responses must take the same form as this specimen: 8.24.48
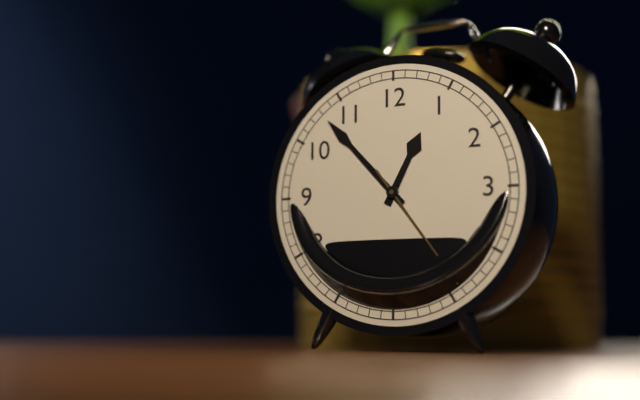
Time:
12.53.24
